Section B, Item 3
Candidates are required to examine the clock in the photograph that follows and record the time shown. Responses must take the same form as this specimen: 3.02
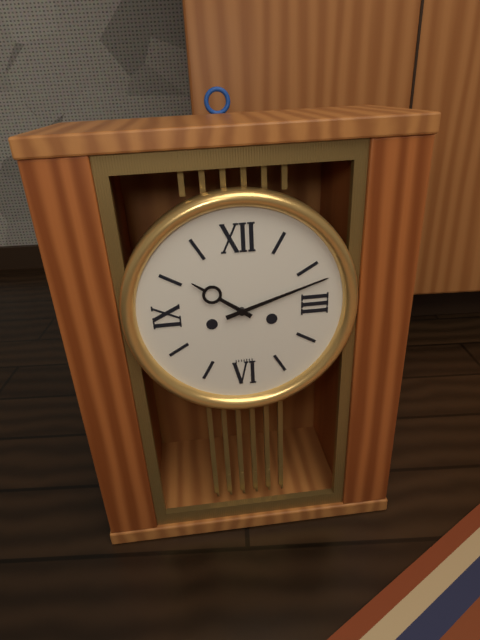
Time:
10.12
